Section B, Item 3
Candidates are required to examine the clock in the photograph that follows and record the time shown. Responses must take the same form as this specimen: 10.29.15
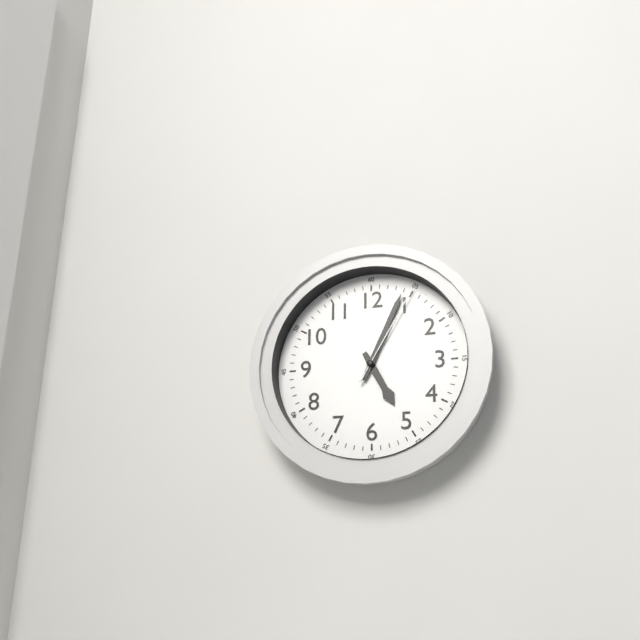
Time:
5.04.05
